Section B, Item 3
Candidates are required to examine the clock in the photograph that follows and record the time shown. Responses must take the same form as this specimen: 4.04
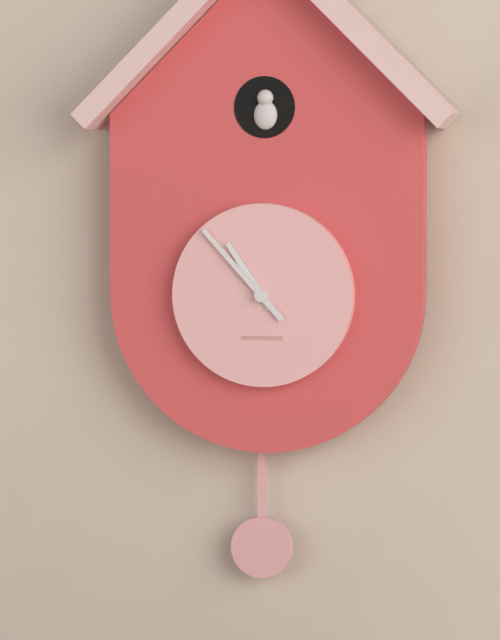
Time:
10.53
